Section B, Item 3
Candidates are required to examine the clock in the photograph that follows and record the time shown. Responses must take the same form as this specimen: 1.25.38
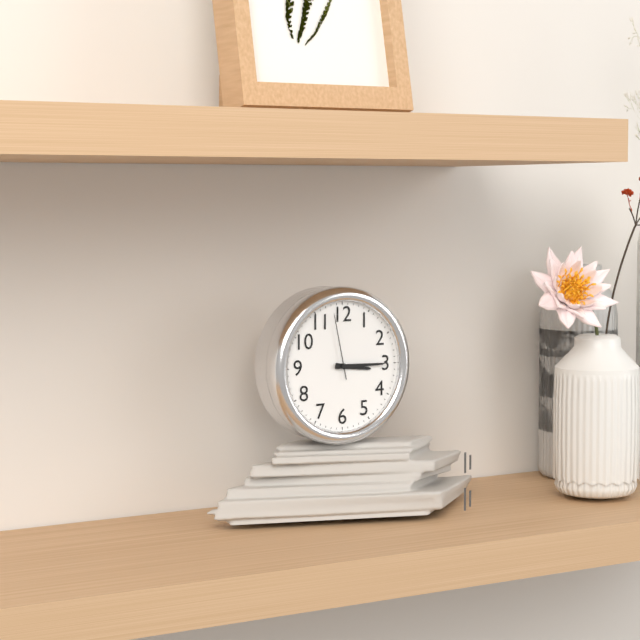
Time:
3.15.58
